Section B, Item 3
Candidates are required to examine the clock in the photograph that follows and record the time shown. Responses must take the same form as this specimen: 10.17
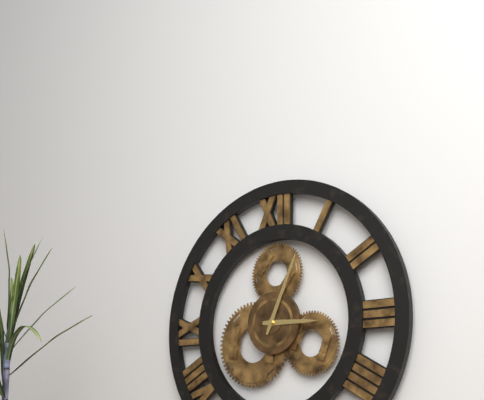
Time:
3.04
